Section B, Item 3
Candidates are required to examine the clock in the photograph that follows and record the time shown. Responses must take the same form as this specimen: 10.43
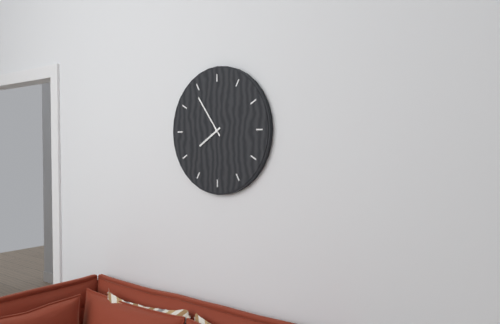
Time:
7.54
